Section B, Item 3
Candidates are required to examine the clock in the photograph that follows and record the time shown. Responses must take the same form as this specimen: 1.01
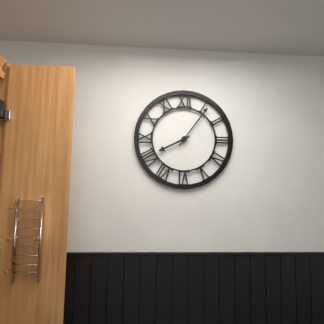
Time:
8.06
